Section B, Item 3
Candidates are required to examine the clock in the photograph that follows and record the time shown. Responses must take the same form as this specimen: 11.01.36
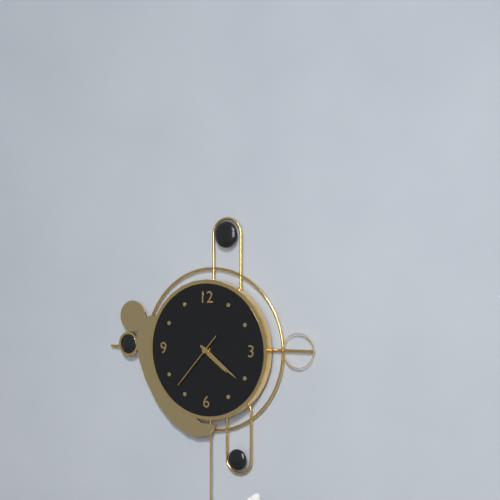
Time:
4.21.37
